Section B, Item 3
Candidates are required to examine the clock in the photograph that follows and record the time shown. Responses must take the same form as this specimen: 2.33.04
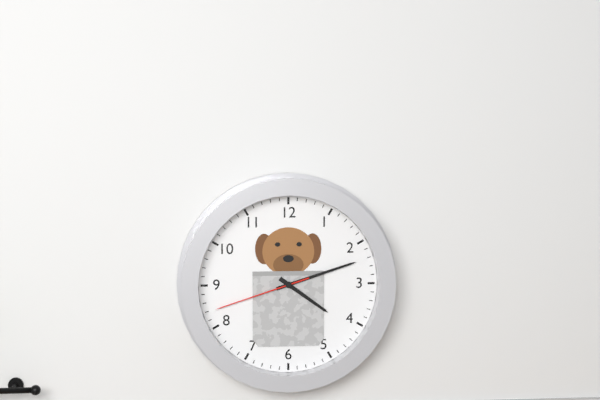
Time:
4.12.42
